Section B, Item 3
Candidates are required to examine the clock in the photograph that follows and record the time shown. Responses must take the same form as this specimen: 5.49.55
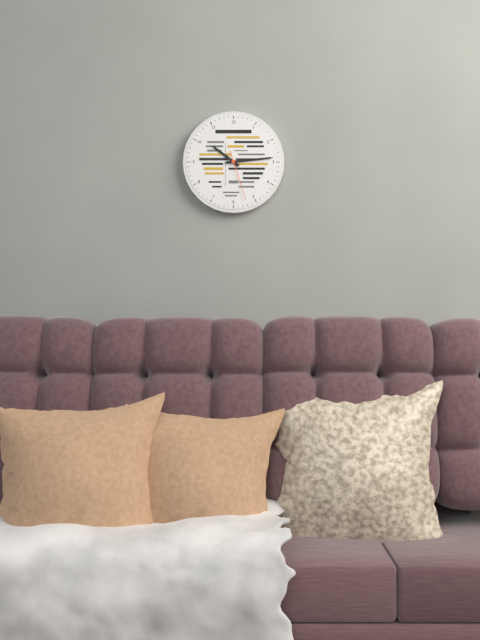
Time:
10.14.27
